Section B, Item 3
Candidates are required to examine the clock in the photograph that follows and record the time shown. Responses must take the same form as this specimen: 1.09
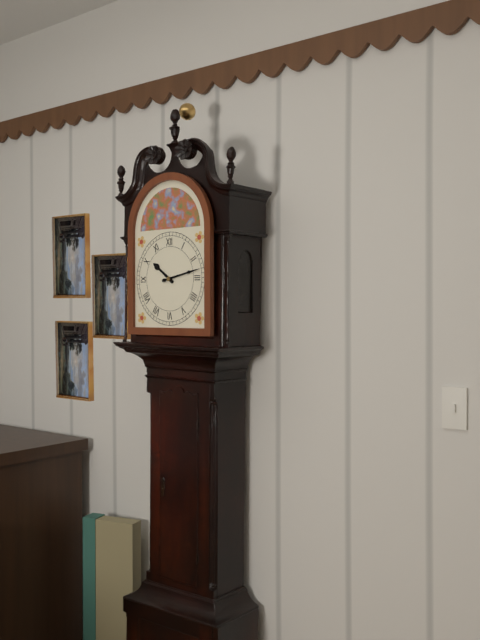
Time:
10.13
